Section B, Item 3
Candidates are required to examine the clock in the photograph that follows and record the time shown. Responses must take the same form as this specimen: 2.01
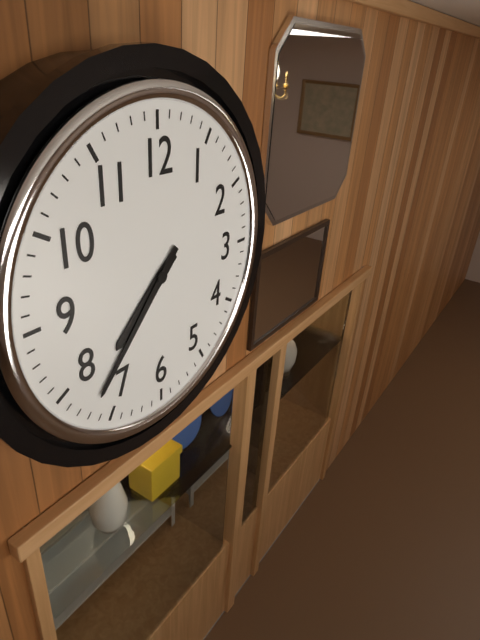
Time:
7.37
